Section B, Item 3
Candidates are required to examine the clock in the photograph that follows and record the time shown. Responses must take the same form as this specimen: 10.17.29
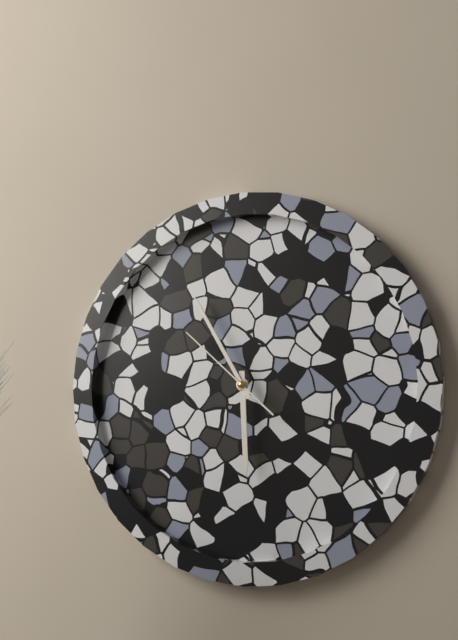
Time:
5.55.52
